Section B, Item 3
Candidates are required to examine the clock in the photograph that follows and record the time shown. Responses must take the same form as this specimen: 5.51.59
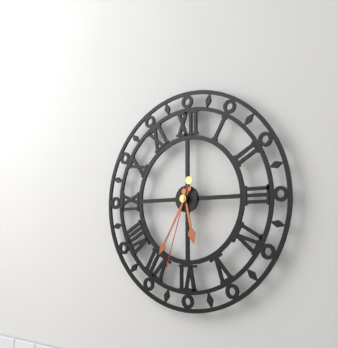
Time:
5.35.33
